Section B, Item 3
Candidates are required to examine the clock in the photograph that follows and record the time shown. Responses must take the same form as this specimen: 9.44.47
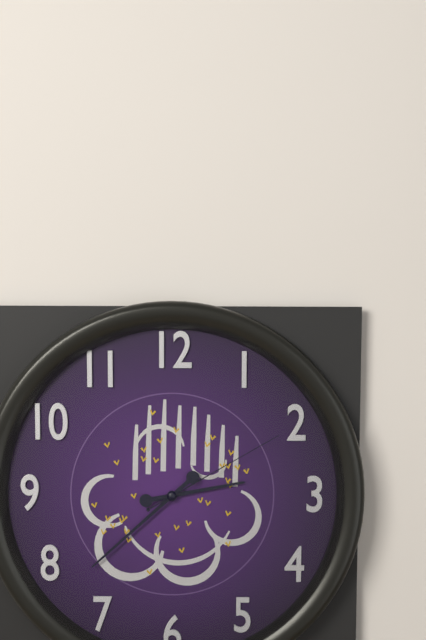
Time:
2.38.10
